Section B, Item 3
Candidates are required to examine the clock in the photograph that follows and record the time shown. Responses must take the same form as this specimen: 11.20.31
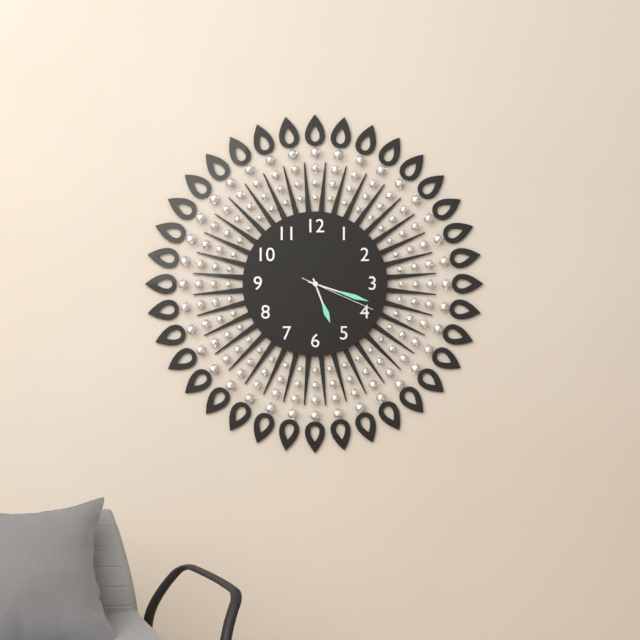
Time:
5.18.19
